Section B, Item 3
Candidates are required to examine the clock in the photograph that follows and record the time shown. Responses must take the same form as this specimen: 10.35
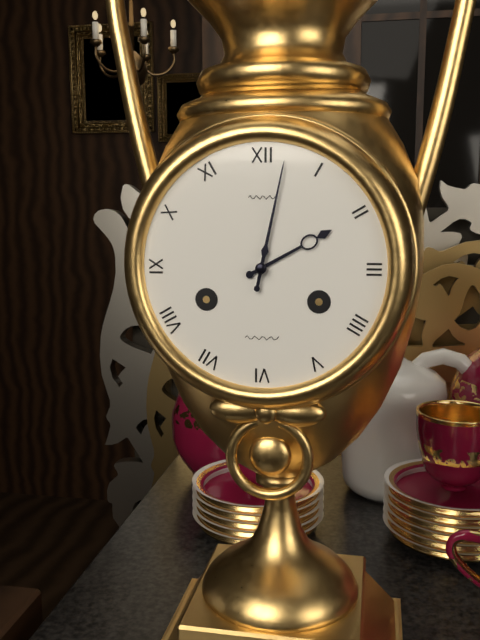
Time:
2.02
